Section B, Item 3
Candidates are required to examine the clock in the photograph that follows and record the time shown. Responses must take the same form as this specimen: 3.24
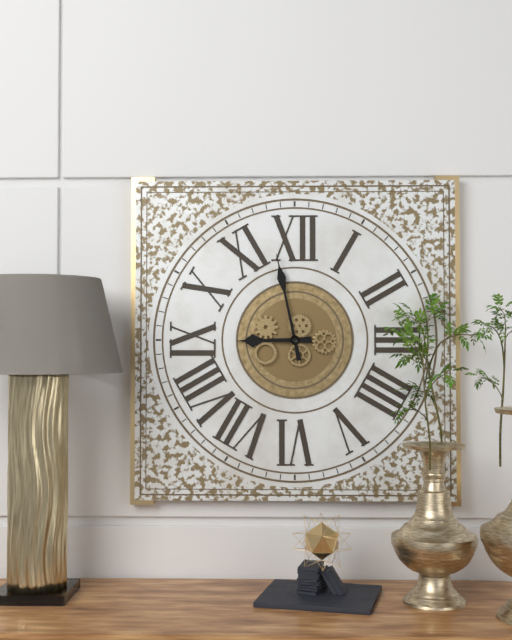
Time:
8.58
